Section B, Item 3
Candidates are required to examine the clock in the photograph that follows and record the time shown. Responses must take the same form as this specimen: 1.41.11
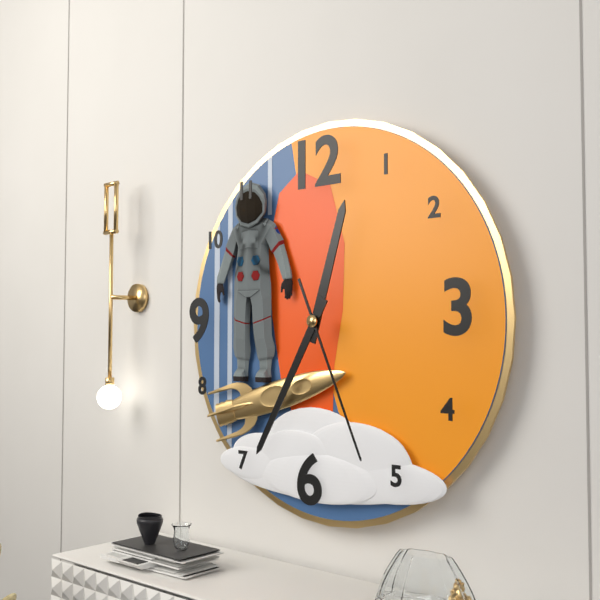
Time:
12.35.26
